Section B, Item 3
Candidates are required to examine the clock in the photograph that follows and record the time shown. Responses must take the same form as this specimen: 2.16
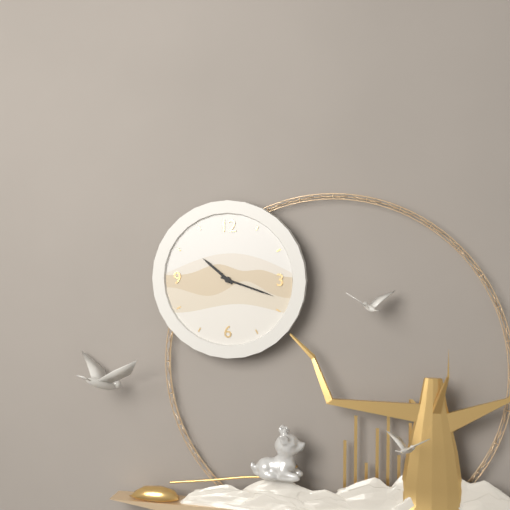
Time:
10.18
